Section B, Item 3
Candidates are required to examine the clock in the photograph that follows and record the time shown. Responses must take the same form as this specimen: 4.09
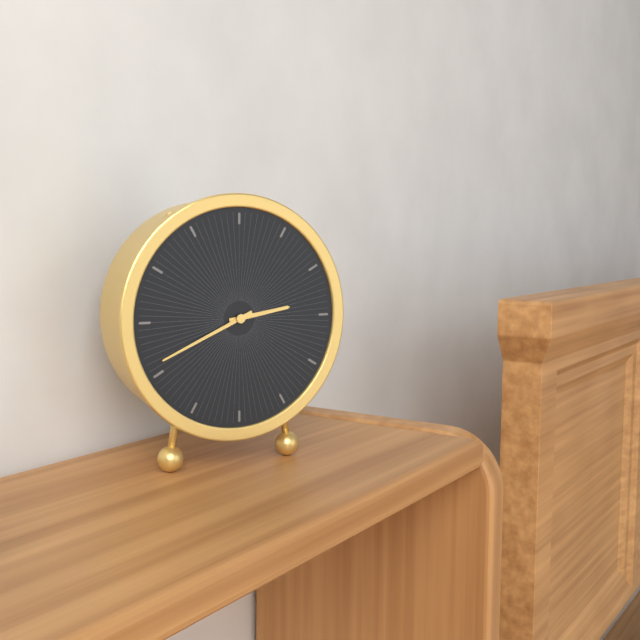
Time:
2.41
